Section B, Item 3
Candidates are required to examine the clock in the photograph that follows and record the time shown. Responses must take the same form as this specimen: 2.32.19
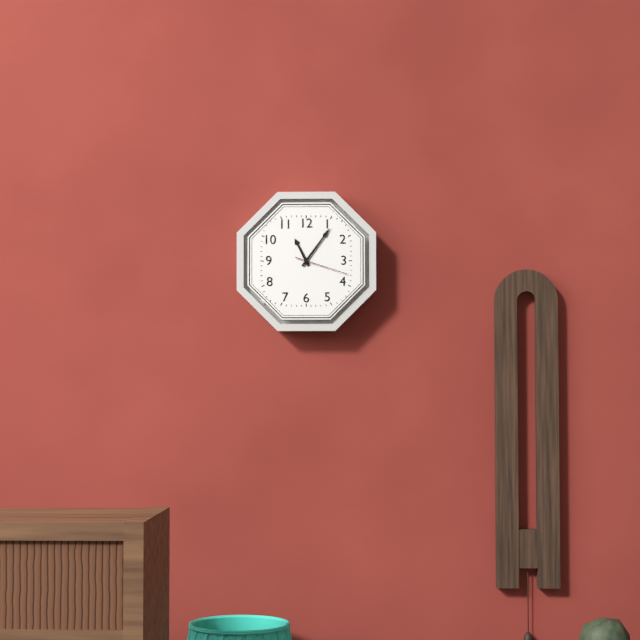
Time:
11.06.18
